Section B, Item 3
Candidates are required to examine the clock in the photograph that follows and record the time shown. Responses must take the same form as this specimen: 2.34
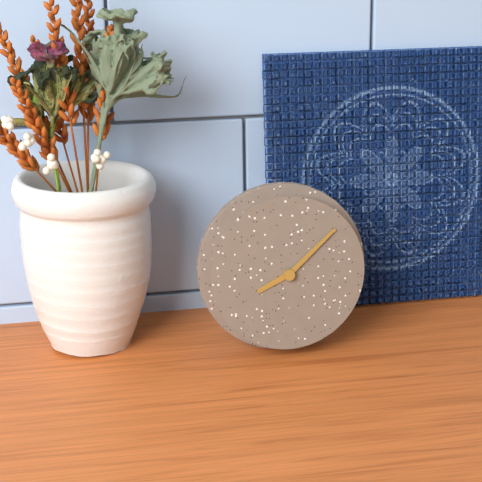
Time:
8.08
